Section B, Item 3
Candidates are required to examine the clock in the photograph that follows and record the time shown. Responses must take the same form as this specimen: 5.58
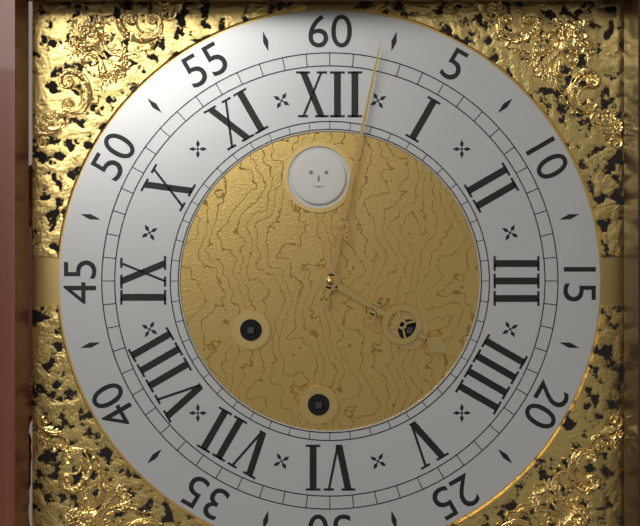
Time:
4.02
